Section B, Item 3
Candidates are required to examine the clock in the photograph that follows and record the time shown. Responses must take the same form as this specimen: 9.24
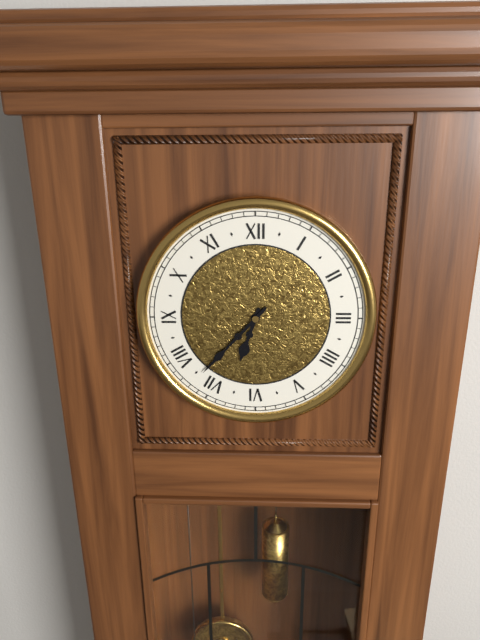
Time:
6.37
